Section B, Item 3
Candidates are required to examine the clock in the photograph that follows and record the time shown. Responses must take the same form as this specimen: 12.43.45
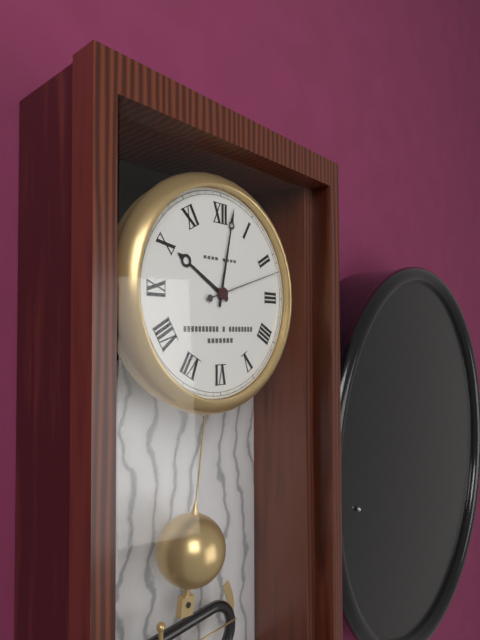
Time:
10.02.12
